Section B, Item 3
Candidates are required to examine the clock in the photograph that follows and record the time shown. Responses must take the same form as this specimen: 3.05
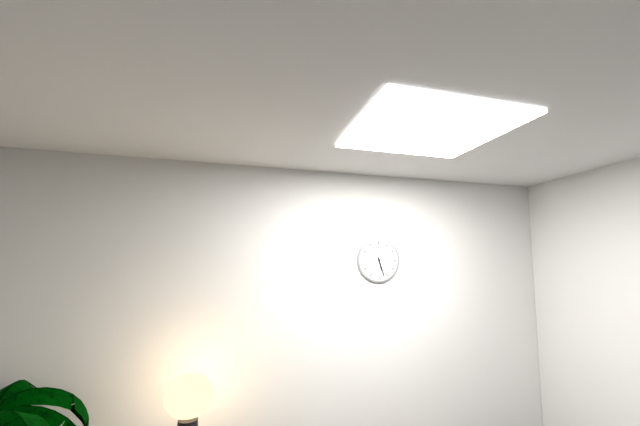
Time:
5.27
